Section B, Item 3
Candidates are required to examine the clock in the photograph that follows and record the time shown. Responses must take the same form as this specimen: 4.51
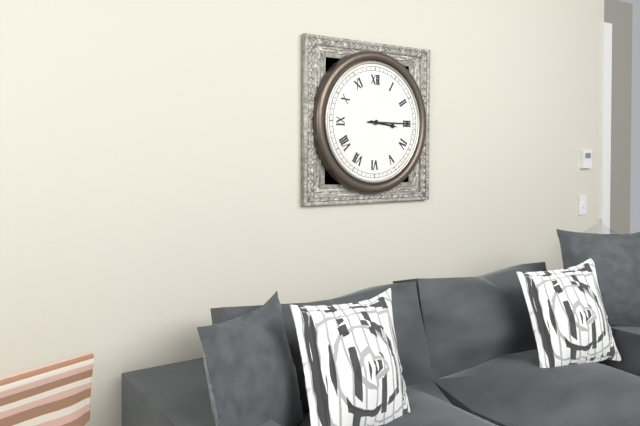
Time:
3.15
